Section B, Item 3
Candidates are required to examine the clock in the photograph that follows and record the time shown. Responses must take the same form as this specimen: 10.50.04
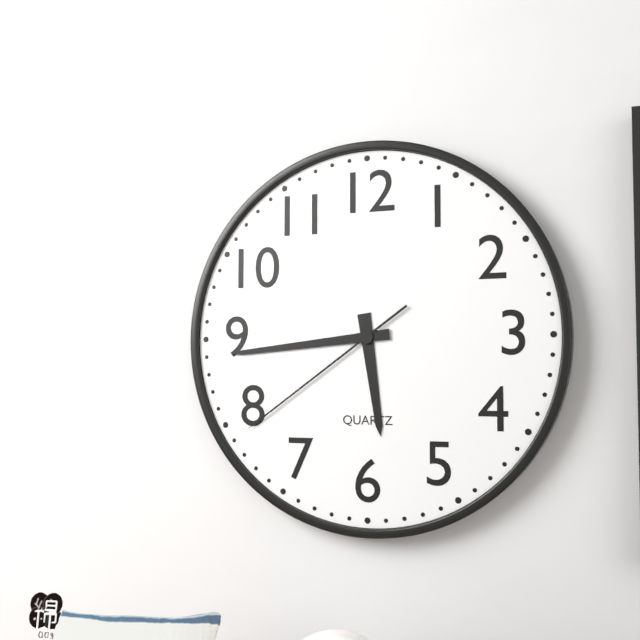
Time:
5.44.39
